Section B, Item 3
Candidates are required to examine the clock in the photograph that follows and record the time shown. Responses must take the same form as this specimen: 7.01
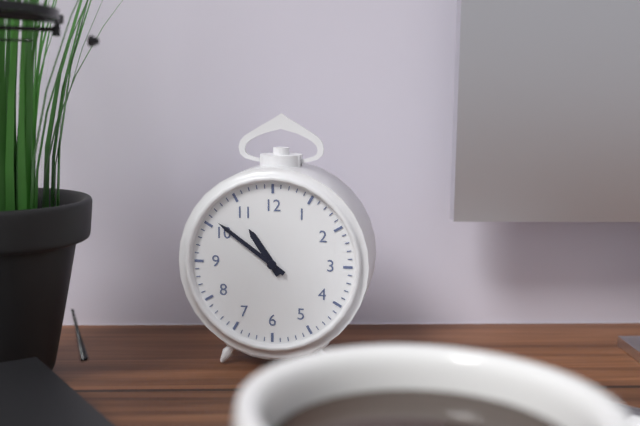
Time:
10.51
